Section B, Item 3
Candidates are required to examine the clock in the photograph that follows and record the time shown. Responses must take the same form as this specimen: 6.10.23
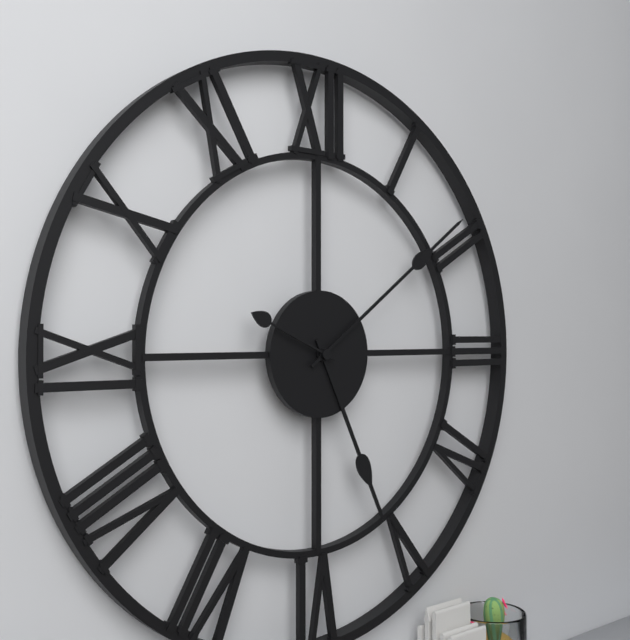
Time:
5.09.49
